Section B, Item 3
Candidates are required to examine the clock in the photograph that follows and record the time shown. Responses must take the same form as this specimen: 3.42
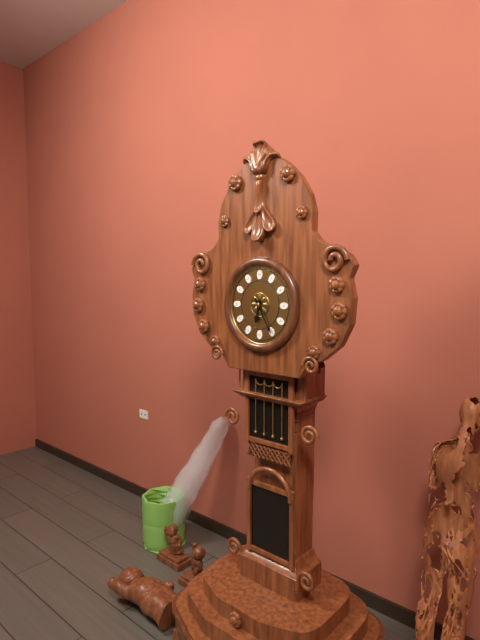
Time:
6.25
